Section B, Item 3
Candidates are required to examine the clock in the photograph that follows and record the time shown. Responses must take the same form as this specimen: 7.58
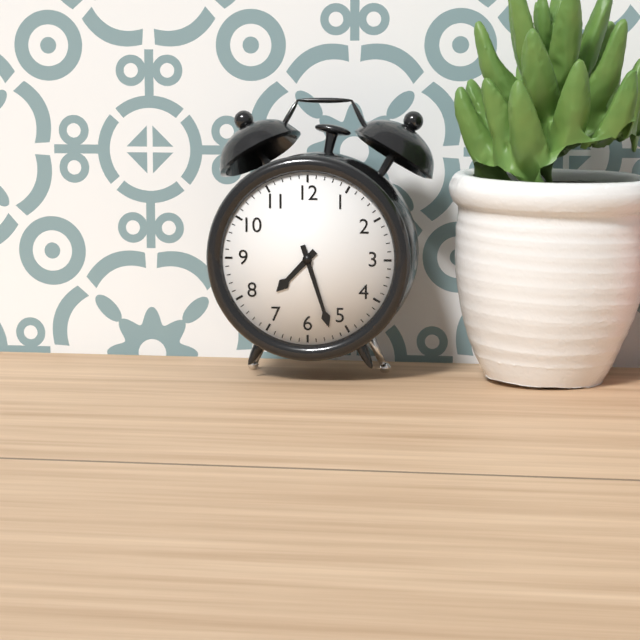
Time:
7.27
